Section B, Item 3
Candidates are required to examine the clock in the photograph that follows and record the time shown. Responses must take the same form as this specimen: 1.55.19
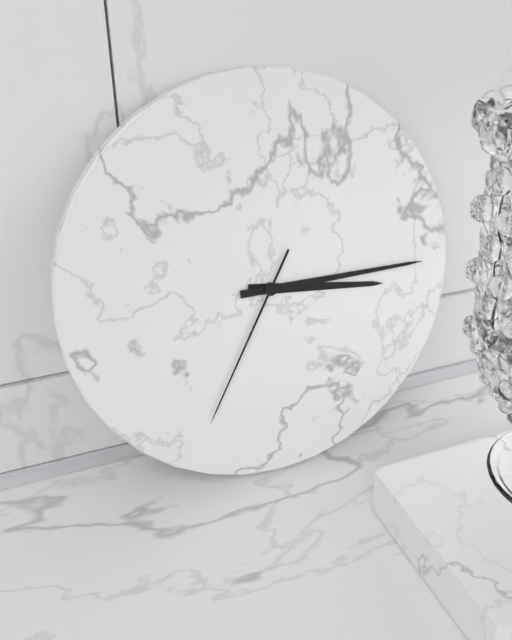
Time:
3.15.35
